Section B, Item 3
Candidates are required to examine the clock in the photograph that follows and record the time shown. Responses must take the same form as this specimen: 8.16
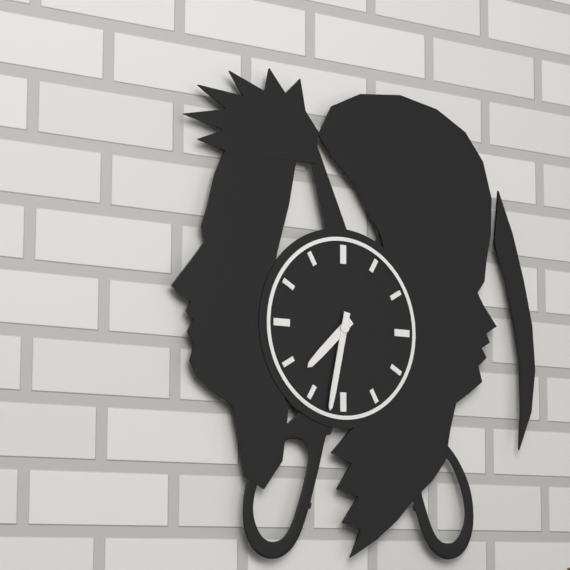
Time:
7.32
